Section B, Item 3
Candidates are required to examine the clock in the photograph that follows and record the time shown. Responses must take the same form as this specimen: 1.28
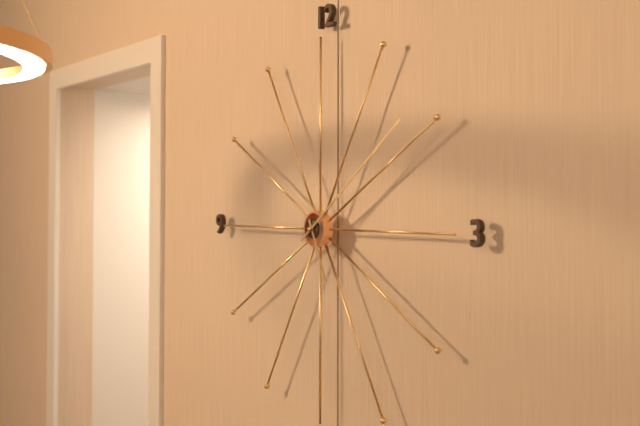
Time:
5.09
